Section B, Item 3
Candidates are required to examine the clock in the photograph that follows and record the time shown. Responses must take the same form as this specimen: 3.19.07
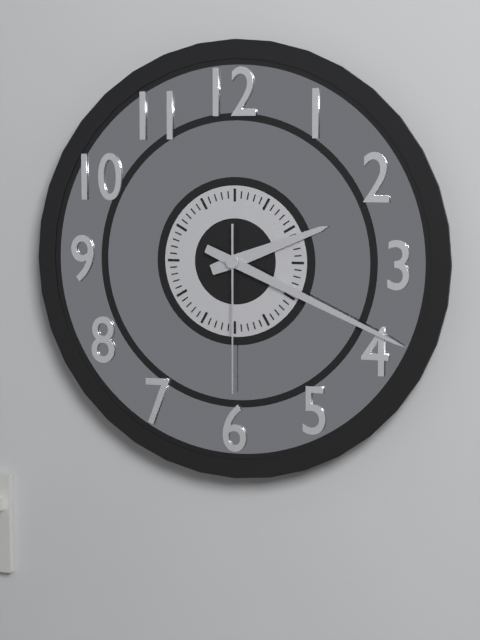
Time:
2.19.30
